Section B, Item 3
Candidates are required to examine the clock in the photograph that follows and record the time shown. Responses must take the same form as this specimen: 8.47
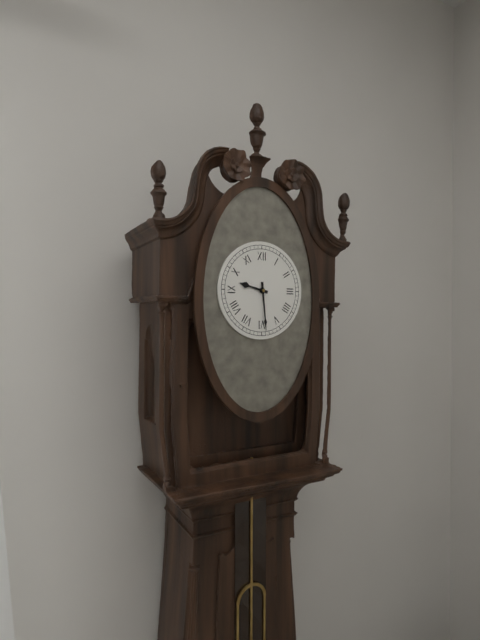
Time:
9.29
